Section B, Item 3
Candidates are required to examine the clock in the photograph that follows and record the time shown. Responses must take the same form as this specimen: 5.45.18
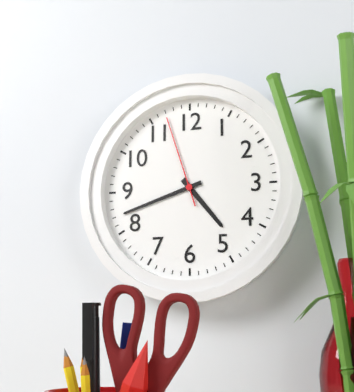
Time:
4.42.57
